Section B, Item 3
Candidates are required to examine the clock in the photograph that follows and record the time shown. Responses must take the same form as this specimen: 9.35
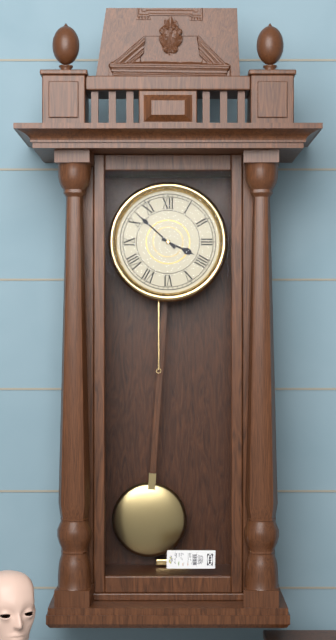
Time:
3.52
